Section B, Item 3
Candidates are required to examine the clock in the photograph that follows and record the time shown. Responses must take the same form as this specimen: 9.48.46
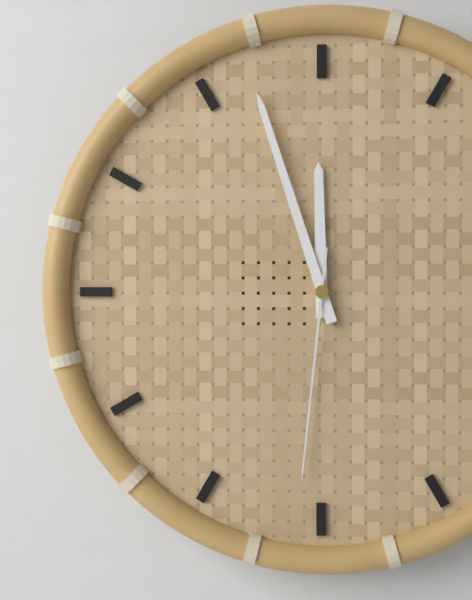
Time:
11.57.31
